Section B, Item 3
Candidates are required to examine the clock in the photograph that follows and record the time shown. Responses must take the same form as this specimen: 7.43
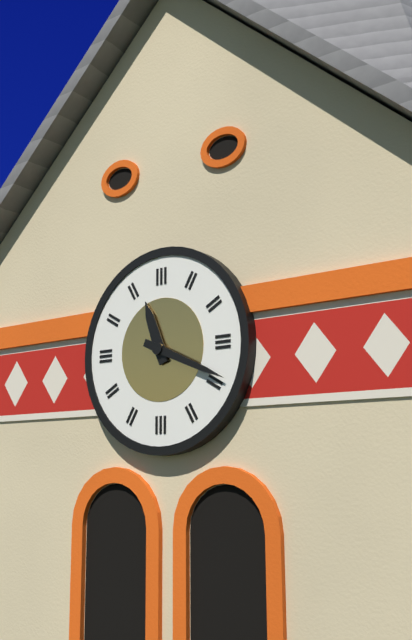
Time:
11.19
